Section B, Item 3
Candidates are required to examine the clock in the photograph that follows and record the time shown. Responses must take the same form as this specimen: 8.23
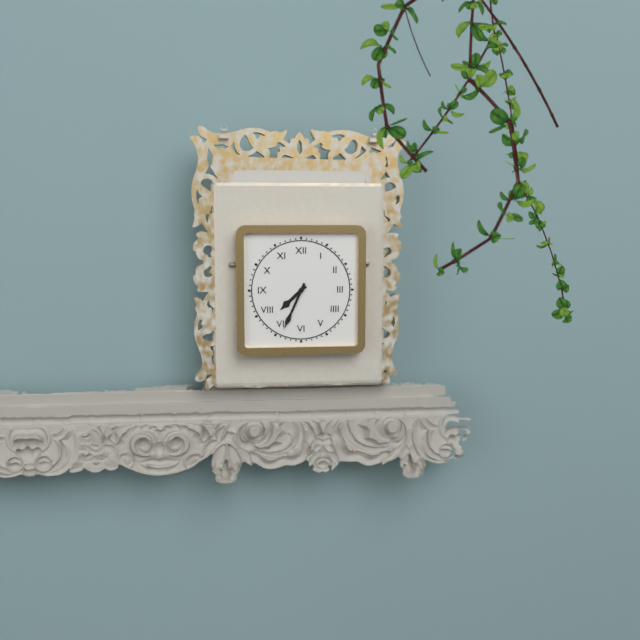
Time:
7.34
